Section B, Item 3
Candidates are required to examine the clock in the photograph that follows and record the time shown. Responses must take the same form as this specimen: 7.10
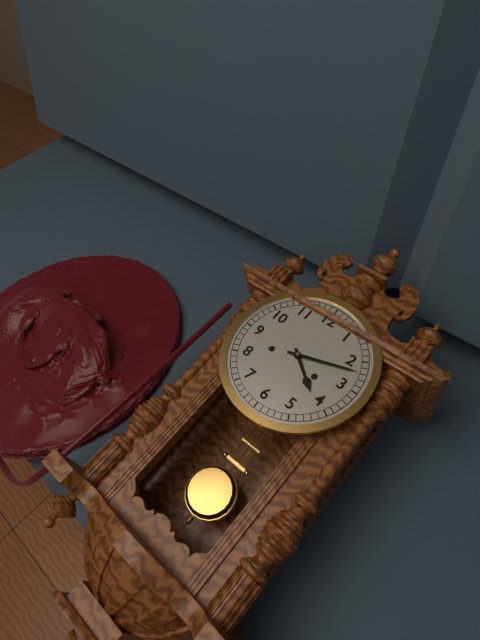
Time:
4.12
